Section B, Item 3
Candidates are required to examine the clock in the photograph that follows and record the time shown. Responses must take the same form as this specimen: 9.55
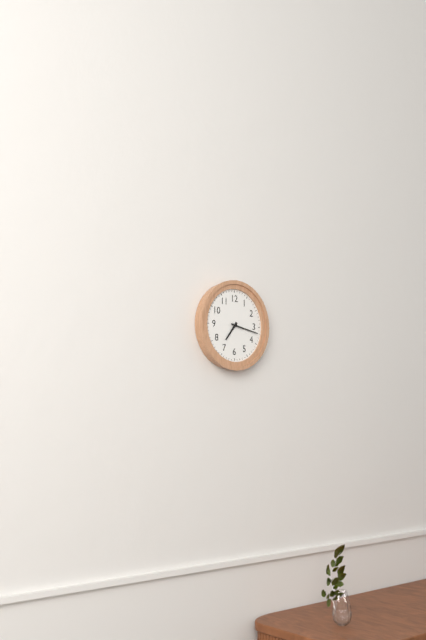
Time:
7.17
